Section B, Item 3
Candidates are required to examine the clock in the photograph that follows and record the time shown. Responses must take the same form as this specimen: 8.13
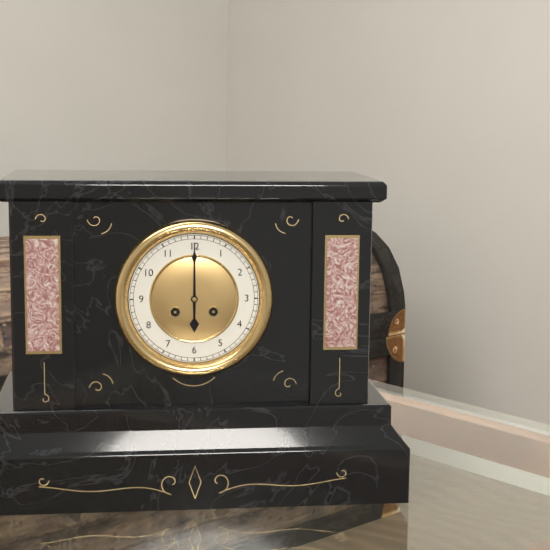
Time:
6.00
